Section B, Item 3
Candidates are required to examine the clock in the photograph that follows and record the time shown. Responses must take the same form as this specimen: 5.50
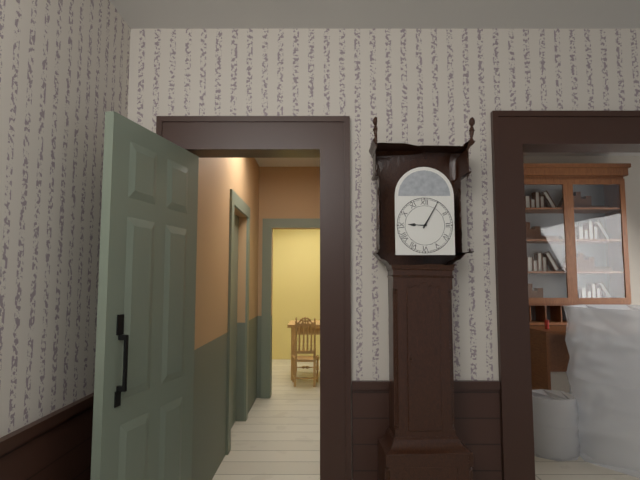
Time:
9.05
